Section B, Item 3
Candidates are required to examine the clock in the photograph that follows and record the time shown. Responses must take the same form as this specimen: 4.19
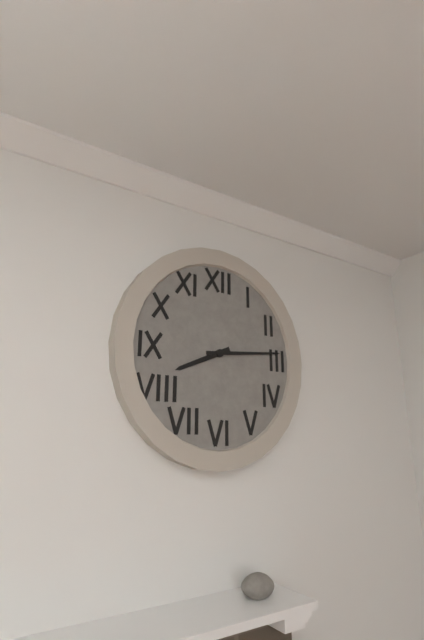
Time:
8.14
